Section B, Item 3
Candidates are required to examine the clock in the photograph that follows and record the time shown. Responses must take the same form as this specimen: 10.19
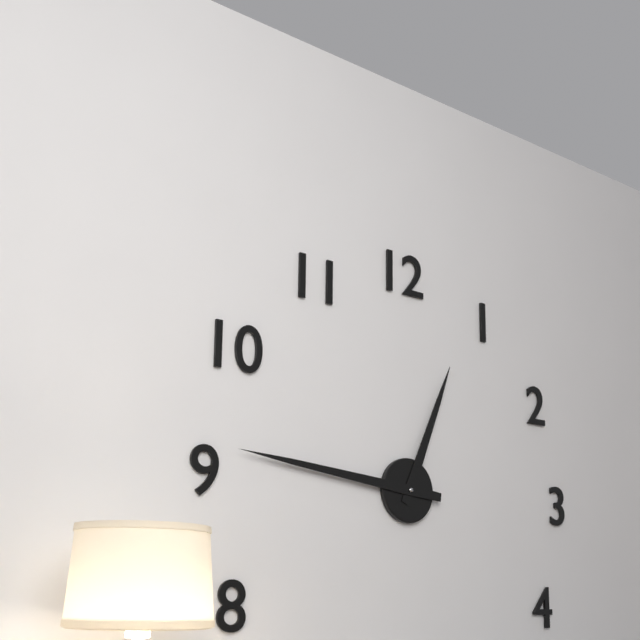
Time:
12.46
